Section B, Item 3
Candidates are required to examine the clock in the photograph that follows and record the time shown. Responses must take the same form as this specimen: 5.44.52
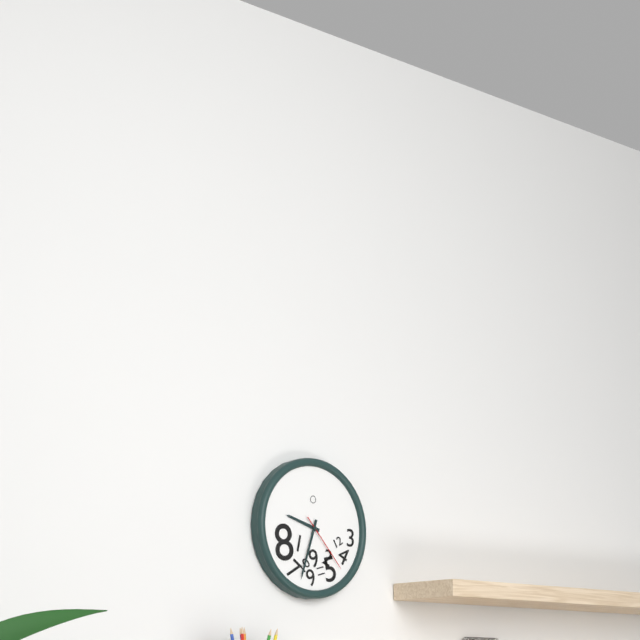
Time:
9.33.23
